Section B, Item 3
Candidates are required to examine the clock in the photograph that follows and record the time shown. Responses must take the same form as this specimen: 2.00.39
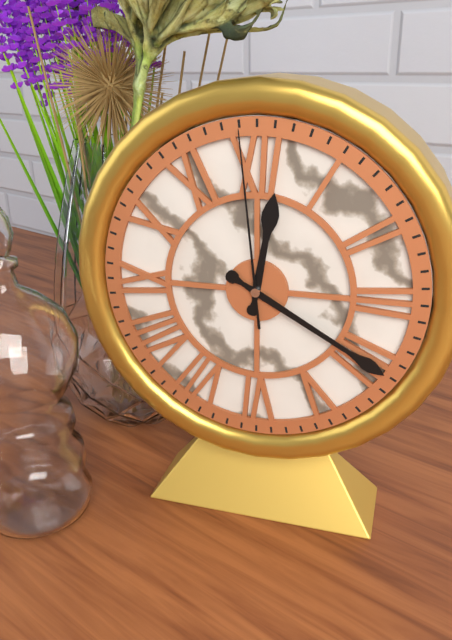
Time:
12.20.59
